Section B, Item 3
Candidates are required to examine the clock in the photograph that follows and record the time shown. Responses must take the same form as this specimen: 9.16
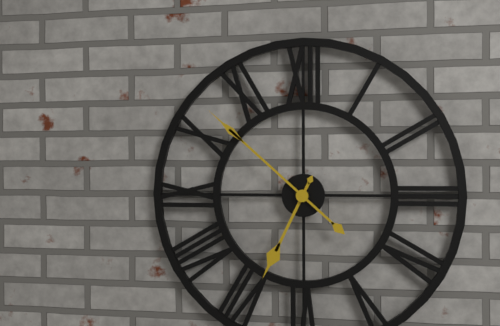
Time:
6.52
